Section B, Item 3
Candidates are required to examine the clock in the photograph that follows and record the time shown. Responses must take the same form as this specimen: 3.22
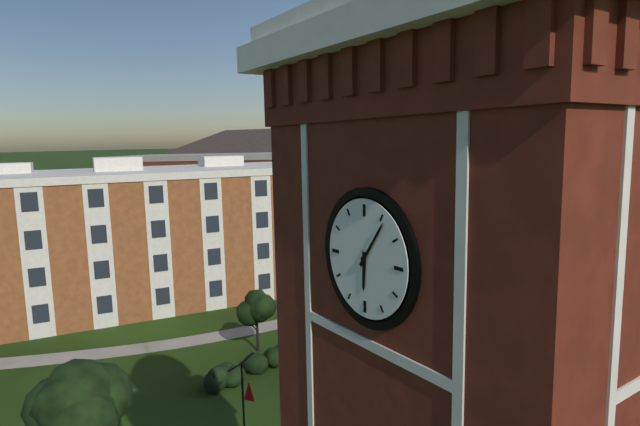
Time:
6.06
